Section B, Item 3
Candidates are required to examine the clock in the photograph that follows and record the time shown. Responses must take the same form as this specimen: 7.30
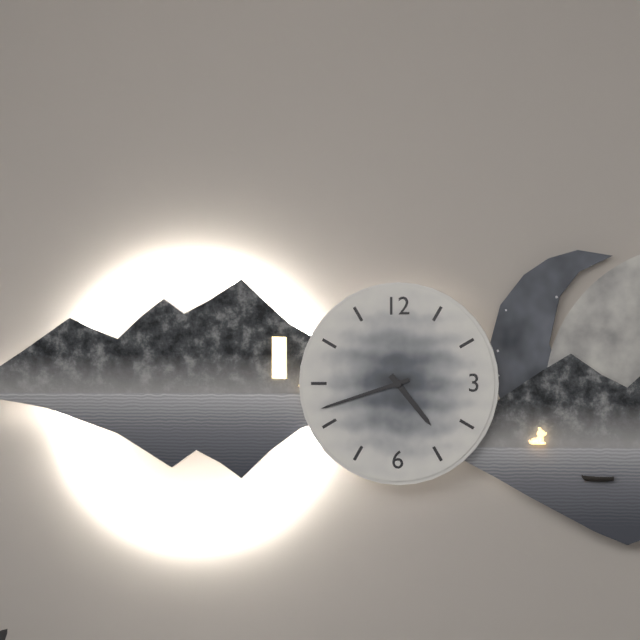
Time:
4.42
